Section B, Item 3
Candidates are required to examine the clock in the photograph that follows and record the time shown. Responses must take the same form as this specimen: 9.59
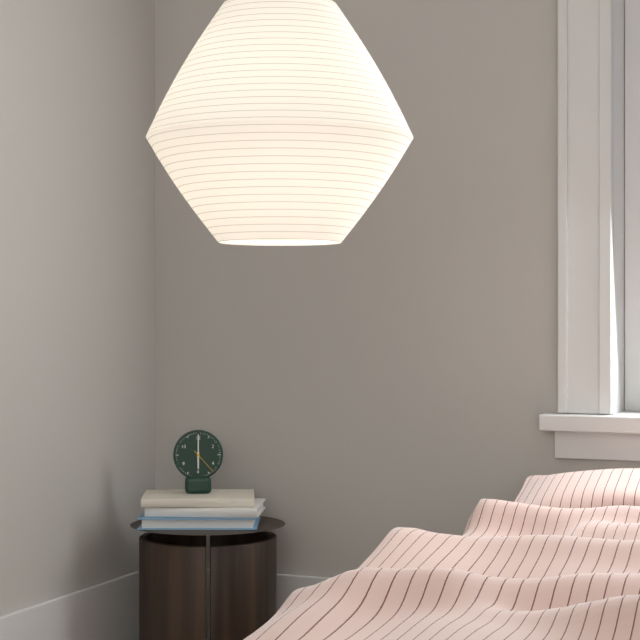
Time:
6.00
